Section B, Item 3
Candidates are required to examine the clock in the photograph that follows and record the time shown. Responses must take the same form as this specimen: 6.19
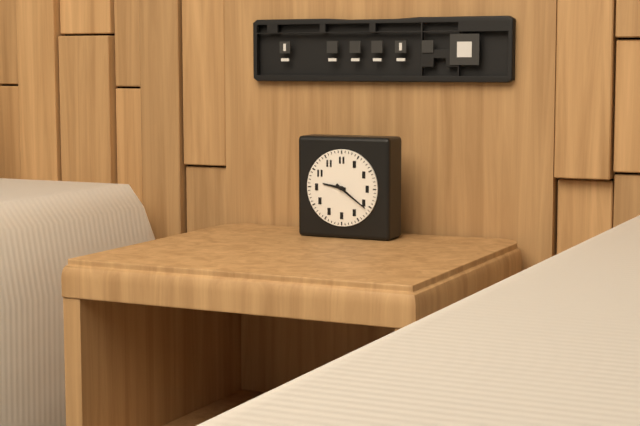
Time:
9.21
